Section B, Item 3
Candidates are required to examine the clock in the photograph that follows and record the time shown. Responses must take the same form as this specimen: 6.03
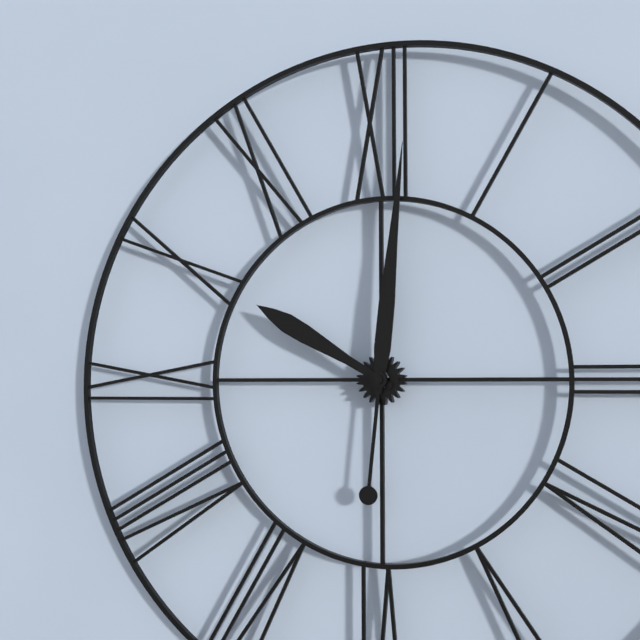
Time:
10.01
